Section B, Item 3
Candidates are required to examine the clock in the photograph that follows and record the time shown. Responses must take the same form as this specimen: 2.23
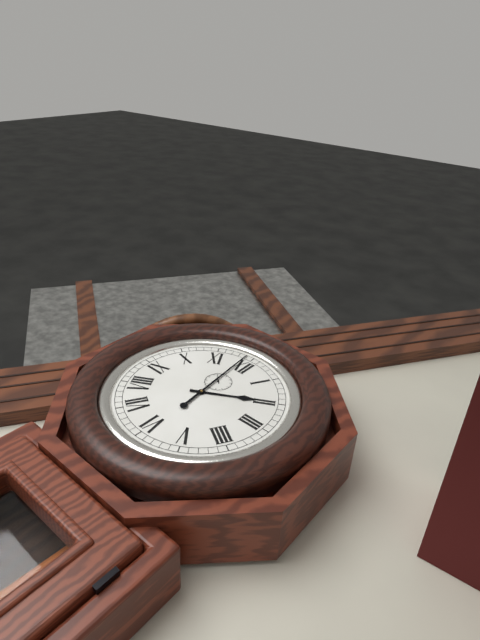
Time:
1.59
